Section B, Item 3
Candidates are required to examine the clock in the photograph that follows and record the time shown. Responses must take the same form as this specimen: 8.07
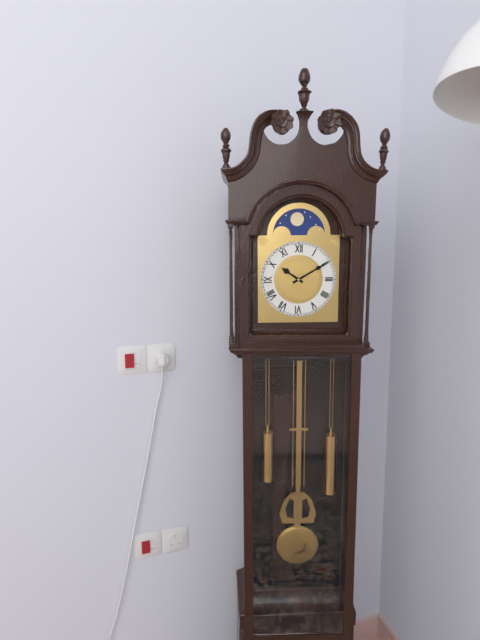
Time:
10.10
